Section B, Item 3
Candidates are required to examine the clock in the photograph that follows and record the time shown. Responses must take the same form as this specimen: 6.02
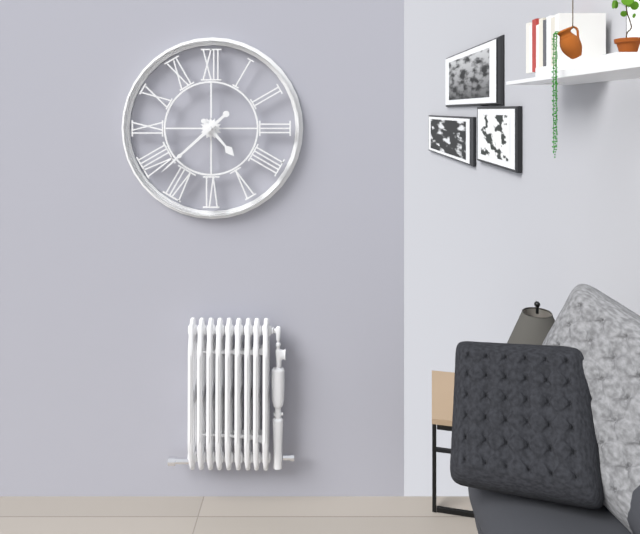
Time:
4.38
